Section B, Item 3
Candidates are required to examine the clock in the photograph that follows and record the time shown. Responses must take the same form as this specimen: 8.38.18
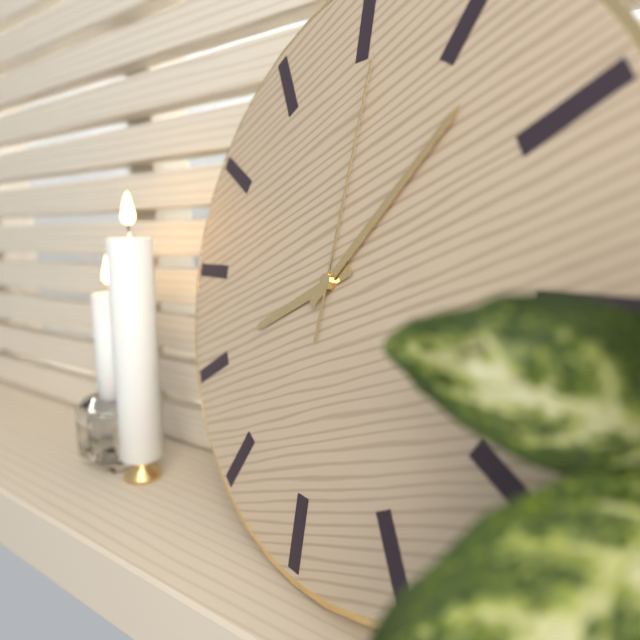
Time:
8.07.01
